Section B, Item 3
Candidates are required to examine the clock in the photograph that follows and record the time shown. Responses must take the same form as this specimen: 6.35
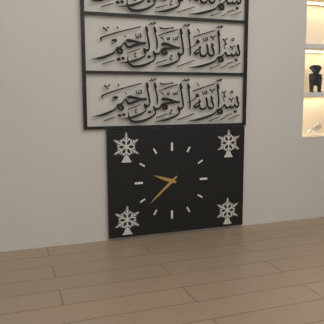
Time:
9.38
